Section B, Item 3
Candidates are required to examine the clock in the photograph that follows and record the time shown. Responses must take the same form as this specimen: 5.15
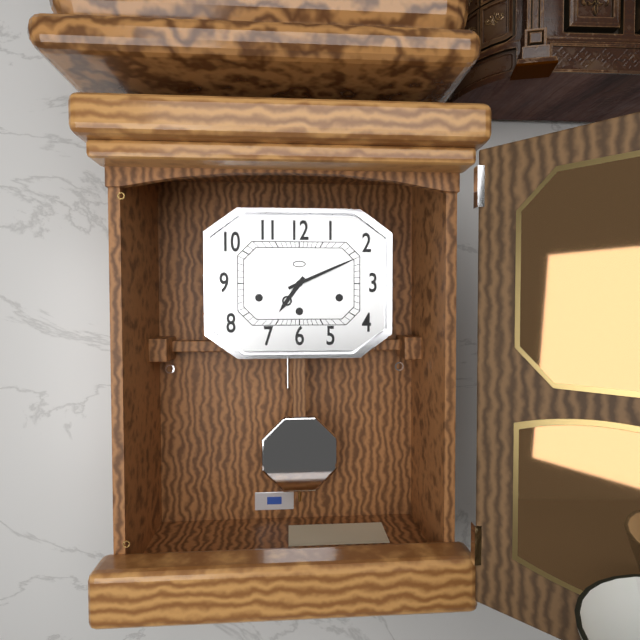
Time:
7.11
